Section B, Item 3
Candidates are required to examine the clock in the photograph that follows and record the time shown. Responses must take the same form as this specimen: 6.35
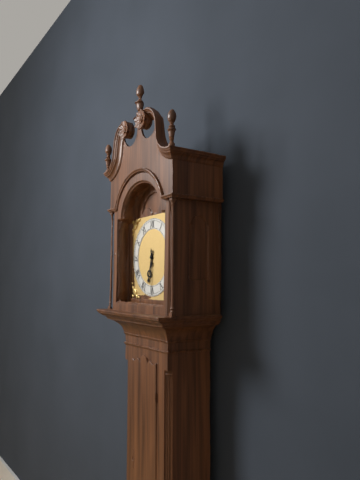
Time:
6.30
